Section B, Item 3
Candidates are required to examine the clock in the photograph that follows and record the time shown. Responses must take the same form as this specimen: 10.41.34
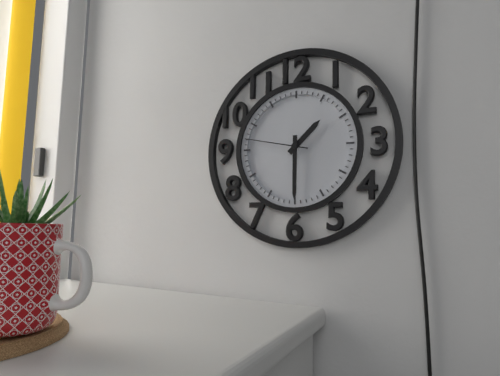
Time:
1.30.47
